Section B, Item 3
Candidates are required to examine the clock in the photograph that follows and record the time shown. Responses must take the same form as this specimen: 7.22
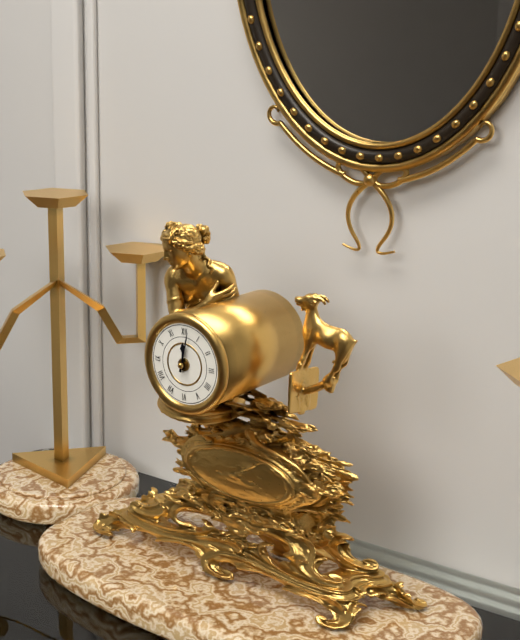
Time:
12.02
